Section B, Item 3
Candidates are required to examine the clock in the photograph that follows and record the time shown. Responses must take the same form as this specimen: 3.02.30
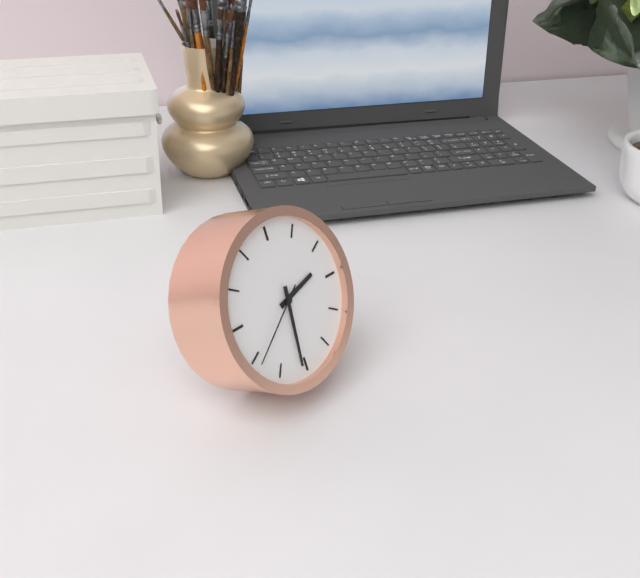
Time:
2.31.39
